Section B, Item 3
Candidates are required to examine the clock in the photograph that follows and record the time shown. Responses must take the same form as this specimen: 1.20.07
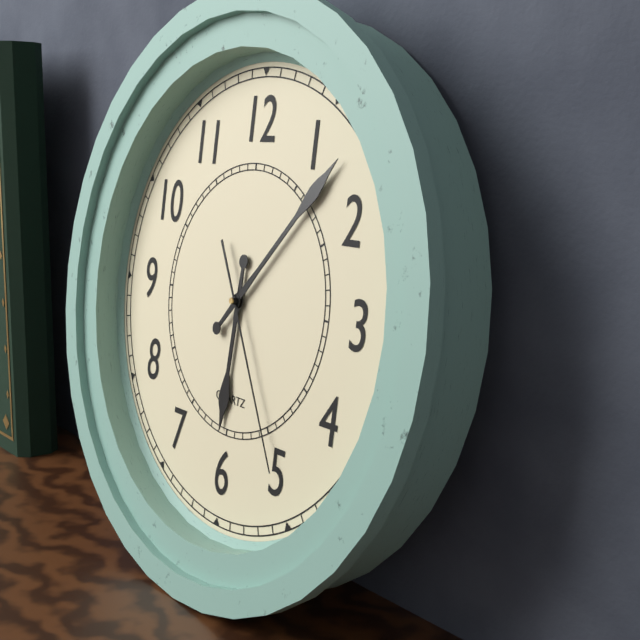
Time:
6.07.25
